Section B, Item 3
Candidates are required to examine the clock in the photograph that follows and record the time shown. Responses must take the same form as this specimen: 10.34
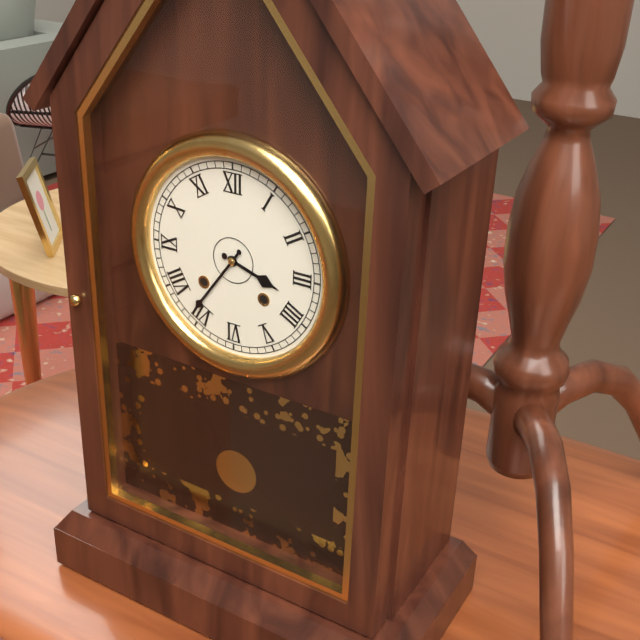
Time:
3.36
